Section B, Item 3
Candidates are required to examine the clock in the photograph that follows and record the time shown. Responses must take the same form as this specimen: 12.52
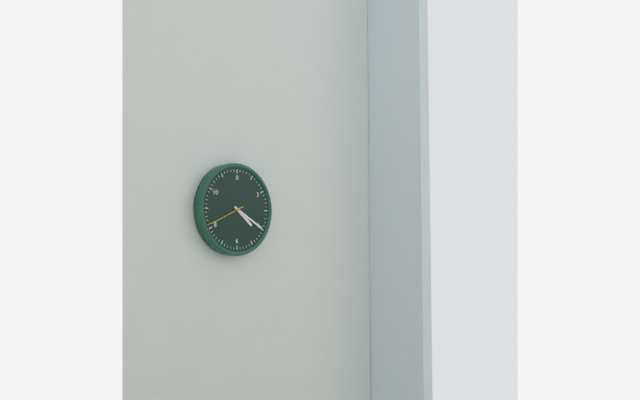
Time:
4.20
